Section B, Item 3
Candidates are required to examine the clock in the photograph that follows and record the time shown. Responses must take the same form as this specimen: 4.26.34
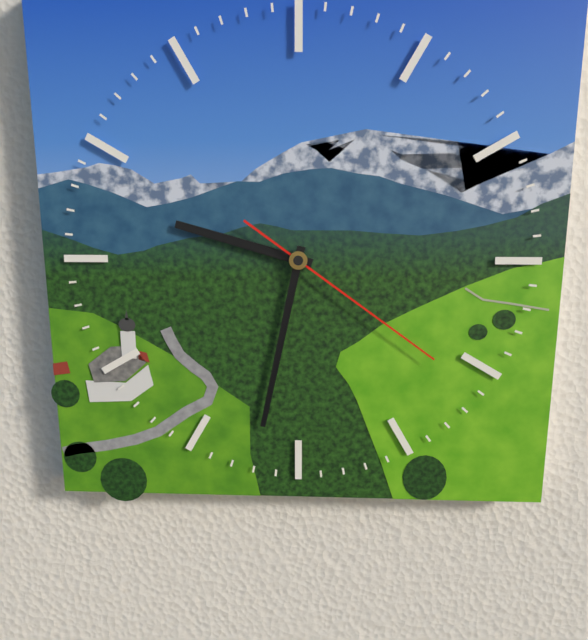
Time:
9.32.21
